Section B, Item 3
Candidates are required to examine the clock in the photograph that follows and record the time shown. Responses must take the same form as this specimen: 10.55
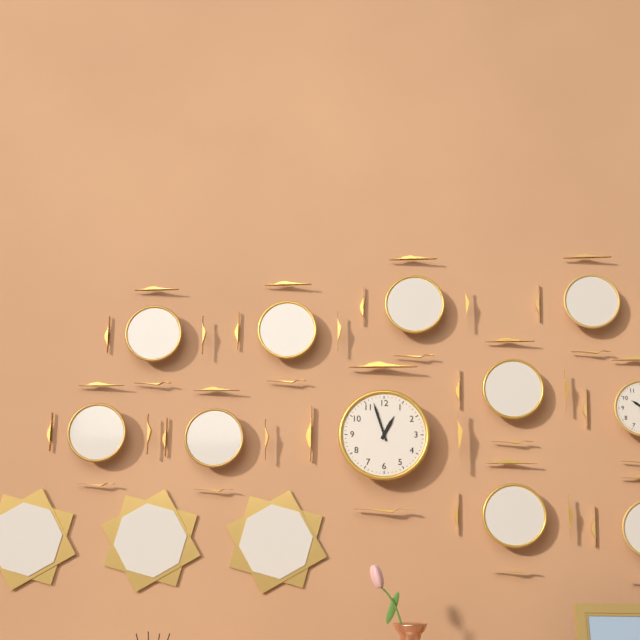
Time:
12.57
